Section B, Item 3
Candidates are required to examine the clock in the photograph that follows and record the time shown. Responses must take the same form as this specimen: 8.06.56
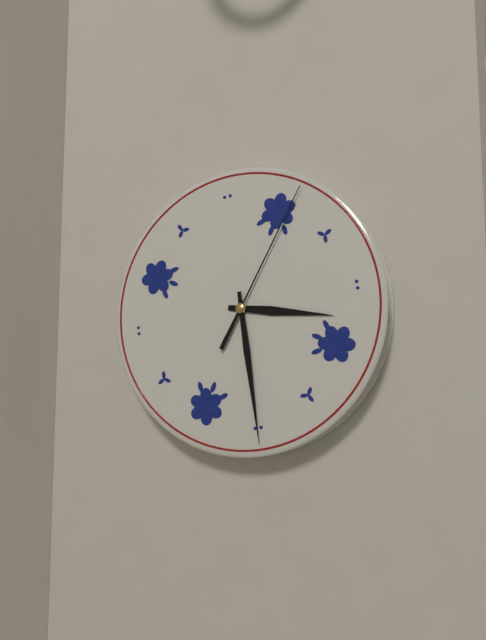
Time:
3.30.06
